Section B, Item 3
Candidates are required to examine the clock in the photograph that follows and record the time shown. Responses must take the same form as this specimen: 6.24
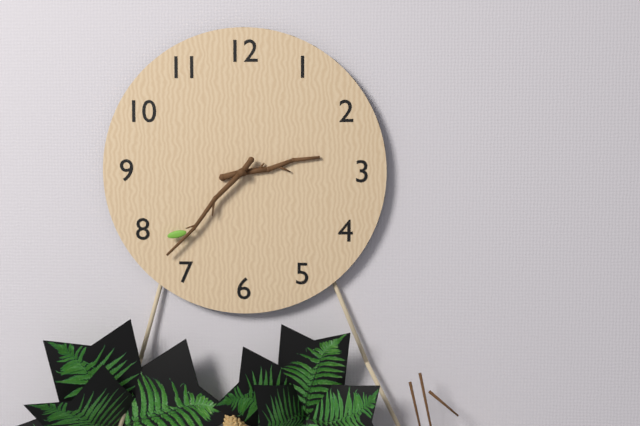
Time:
2.37
